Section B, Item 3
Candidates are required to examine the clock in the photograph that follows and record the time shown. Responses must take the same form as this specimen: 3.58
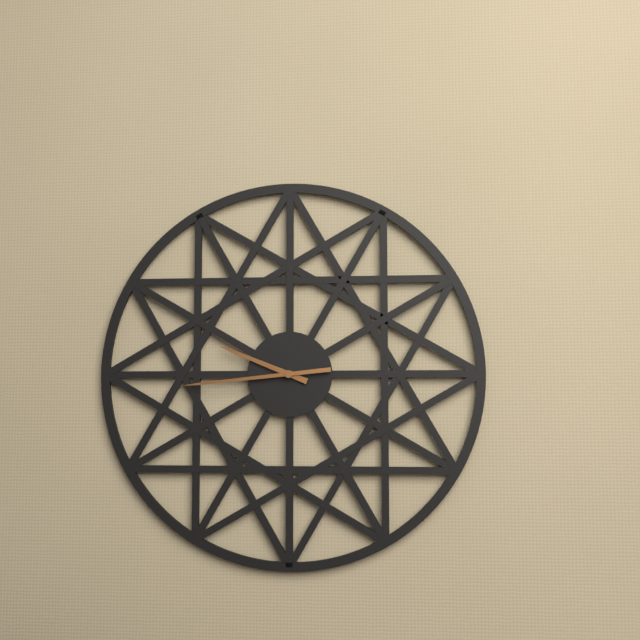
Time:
9.44
